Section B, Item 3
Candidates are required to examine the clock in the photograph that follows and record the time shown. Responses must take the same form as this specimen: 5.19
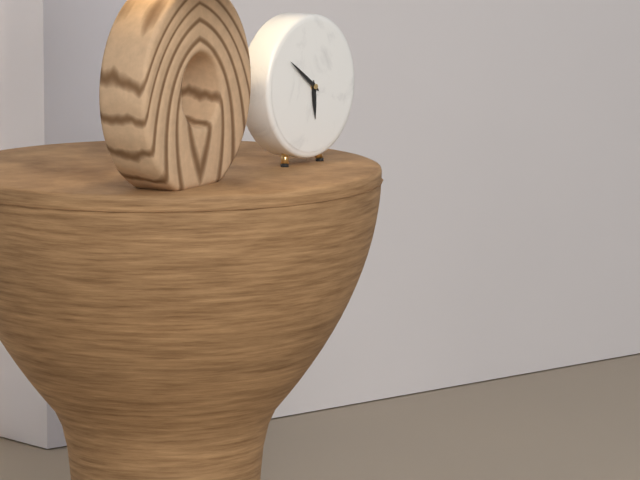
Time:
5.51
